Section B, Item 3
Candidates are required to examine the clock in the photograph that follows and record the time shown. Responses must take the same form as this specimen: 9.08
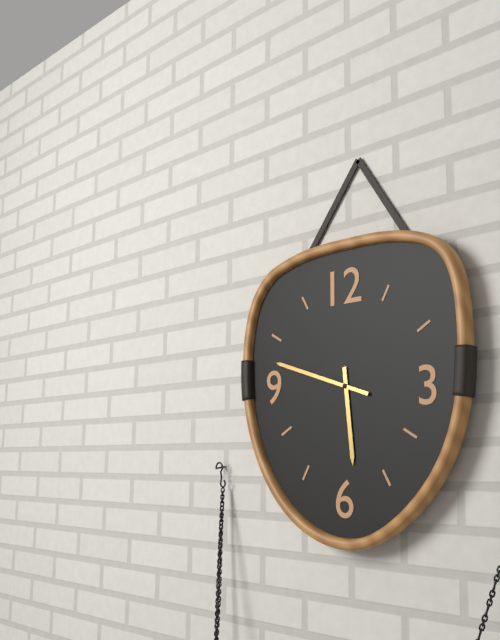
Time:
5.48
